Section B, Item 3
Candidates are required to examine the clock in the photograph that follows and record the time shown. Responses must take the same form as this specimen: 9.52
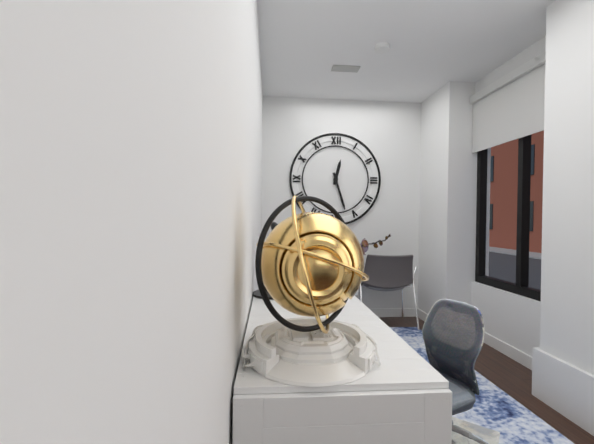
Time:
12.27
